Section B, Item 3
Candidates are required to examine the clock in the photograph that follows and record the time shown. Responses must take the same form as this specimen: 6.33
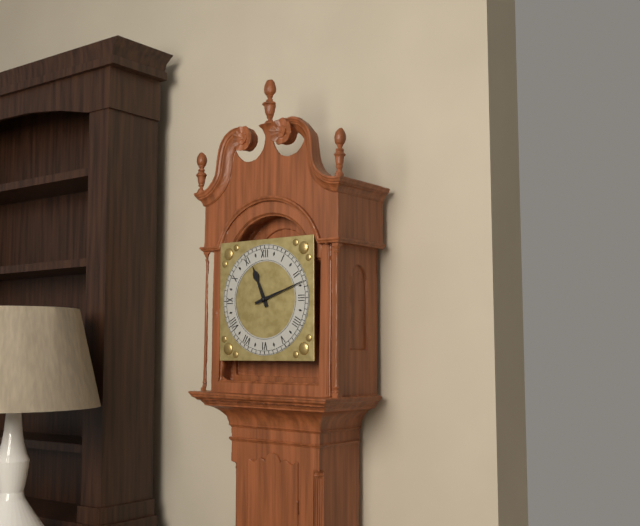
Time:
11.12
